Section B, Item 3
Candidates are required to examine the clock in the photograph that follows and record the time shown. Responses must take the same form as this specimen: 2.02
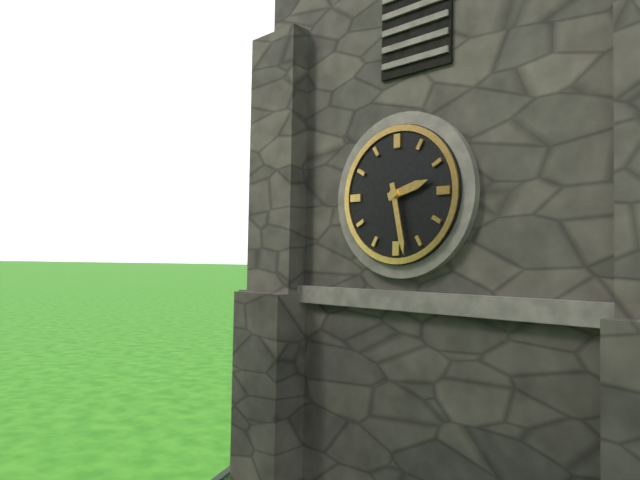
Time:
2.28
